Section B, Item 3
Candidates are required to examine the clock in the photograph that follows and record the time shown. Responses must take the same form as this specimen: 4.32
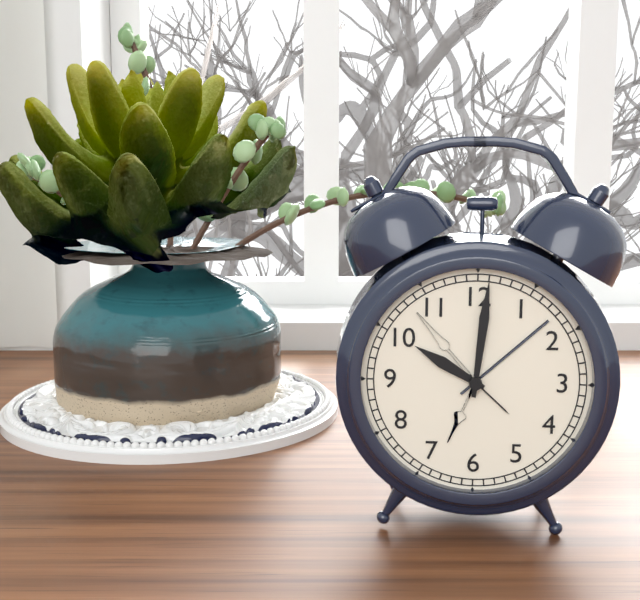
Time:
10.01
